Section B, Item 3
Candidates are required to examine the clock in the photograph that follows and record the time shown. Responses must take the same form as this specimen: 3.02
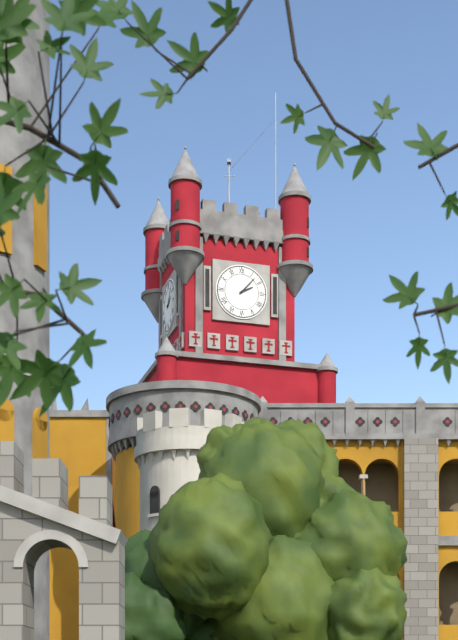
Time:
2.07
